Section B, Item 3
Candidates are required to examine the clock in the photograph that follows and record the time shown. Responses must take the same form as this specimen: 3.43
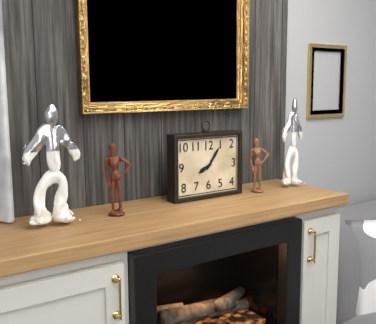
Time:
8.06
